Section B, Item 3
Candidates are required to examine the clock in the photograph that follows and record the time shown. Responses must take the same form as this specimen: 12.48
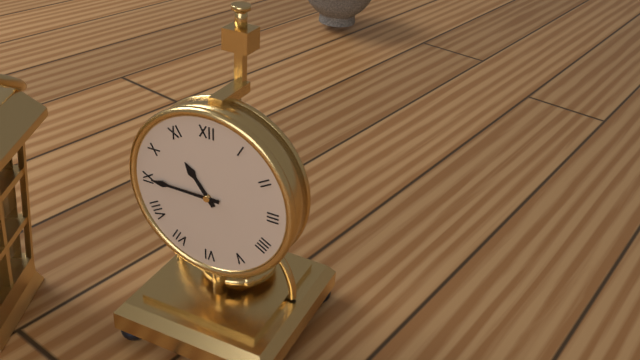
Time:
10.45
